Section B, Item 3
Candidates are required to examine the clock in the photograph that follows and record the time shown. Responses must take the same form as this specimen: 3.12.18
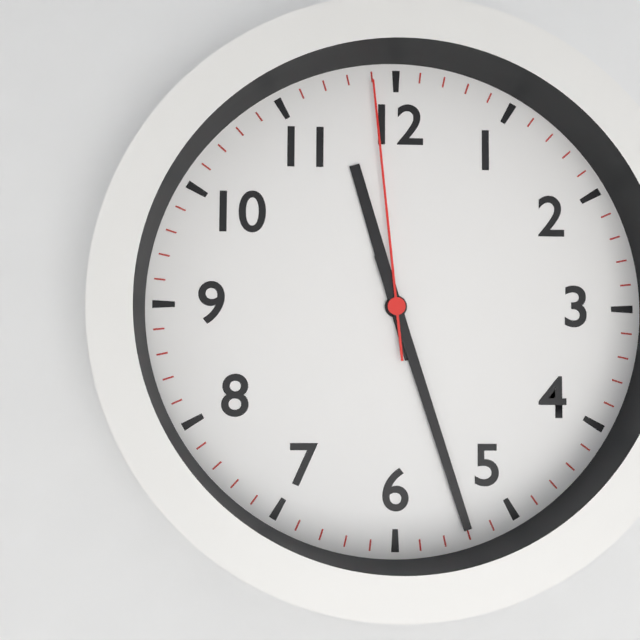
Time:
11.27.59
